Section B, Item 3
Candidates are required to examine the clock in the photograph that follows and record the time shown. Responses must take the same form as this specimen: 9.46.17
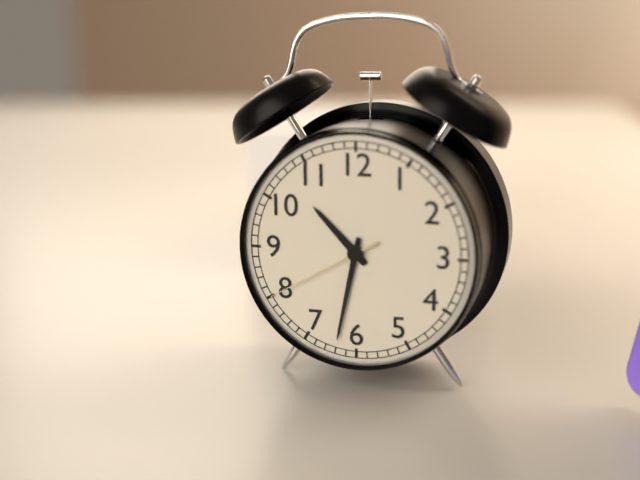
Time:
10.32.40
